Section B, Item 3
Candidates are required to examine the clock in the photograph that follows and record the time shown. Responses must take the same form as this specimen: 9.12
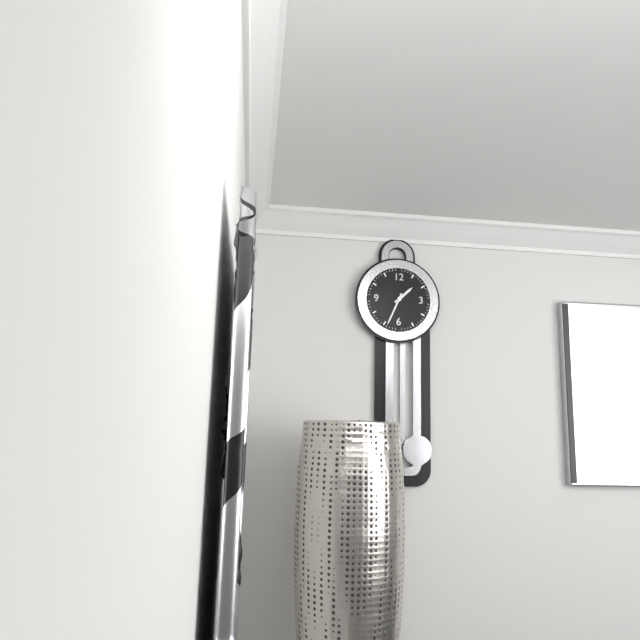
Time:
1.34
